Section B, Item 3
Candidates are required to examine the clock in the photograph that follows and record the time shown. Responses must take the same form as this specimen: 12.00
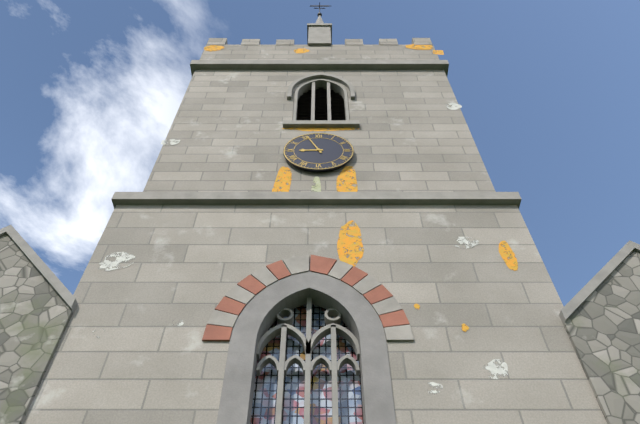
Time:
8.56
